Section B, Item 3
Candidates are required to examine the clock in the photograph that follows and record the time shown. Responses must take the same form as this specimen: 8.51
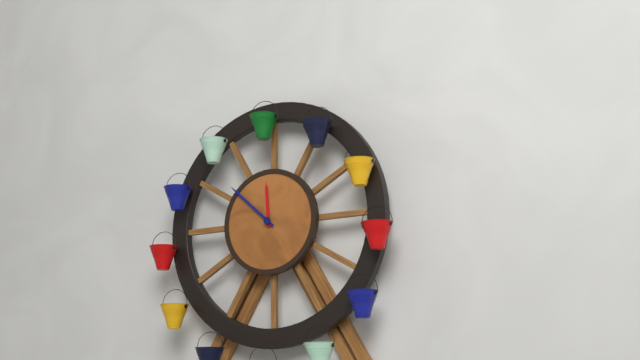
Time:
11.52
